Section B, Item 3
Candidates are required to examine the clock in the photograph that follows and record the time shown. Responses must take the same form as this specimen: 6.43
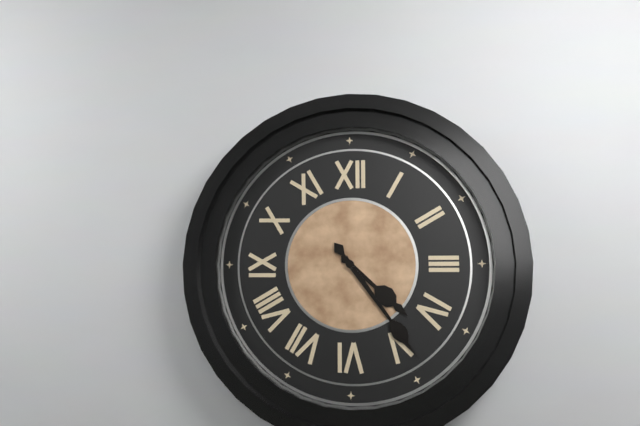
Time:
4.24
